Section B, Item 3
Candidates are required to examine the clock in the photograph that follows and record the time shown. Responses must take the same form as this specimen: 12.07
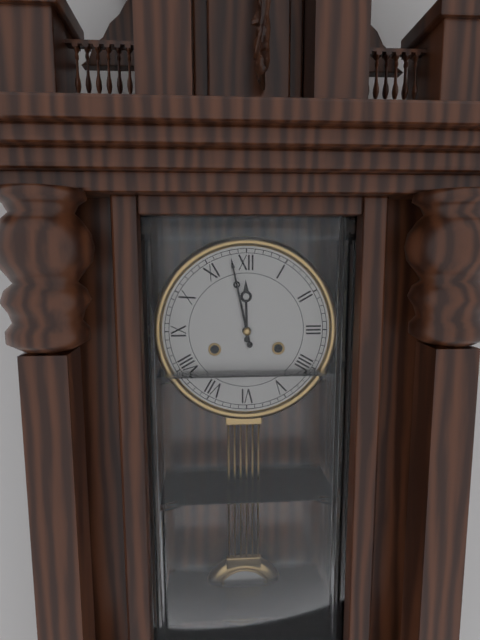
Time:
11.58
